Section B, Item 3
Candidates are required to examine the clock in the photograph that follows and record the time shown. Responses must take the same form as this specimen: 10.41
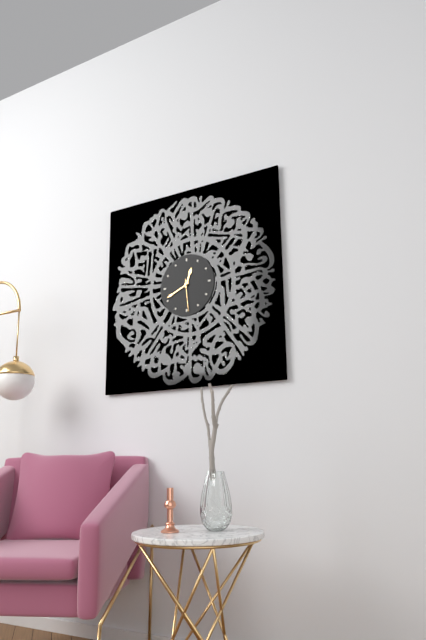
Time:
12.41
